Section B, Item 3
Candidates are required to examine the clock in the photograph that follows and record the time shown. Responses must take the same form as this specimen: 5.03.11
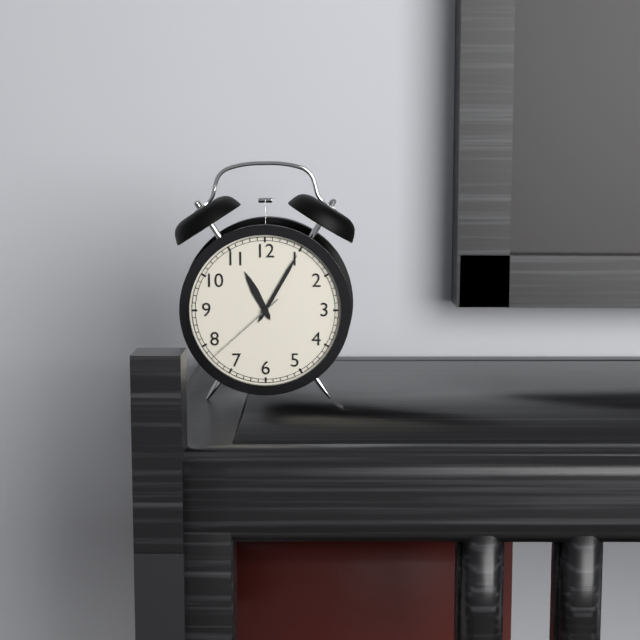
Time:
11.05.38
